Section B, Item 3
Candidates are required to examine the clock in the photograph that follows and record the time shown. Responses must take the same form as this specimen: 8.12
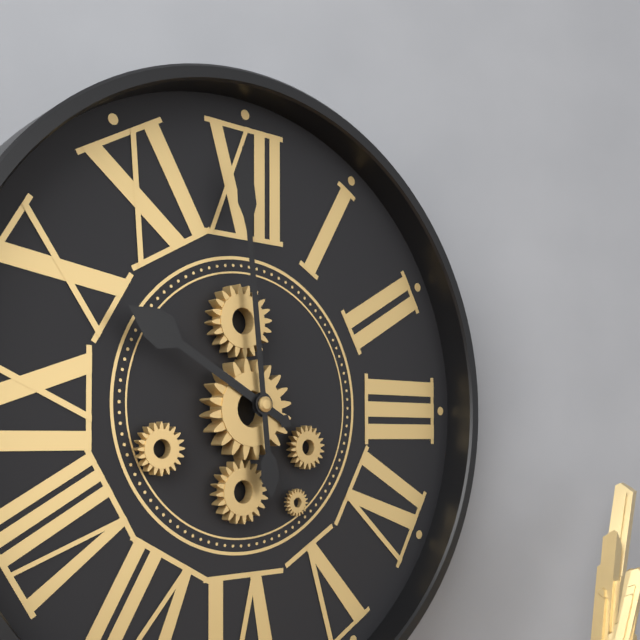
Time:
9.59
